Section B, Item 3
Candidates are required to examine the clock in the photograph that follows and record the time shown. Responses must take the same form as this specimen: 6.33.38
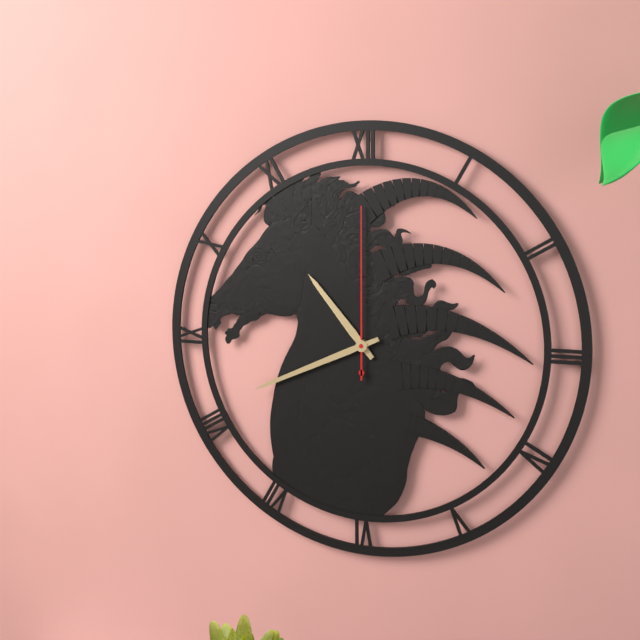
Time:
10.41.00
